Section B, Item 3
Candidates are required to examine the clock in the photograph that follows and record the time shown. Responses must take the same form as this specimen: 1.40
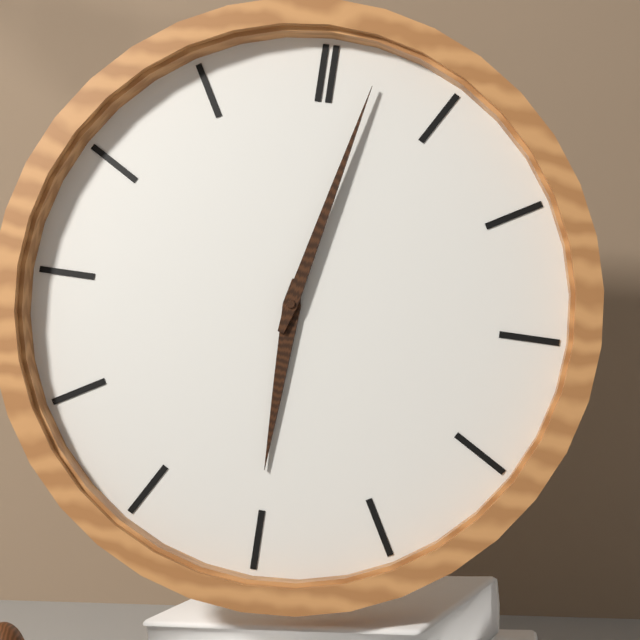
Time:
6.02
